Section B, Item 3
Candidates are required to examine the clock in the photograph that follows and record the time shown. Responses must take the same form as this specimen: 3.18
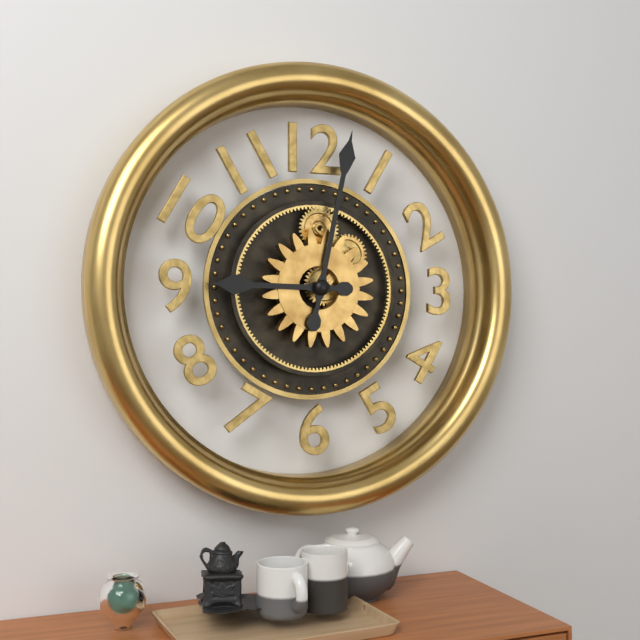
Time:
9.02
